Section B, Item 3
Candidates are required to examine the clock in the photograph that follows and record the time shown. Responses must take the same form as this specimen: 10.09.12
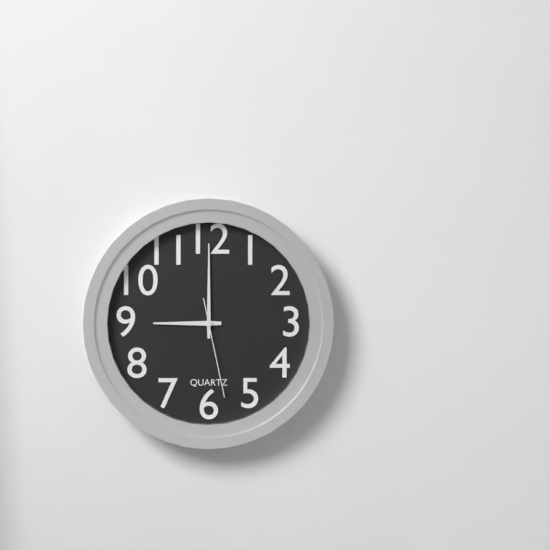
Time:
9.00.28
